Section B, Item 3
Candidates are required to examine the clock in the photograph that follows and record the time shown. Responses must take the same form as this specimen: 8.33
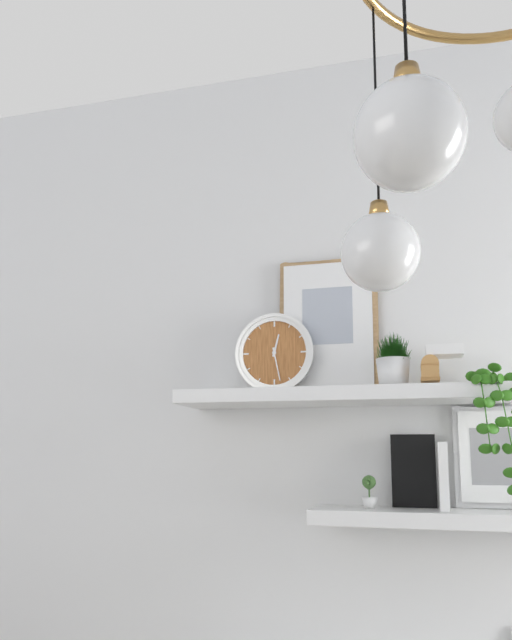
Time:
12.28
